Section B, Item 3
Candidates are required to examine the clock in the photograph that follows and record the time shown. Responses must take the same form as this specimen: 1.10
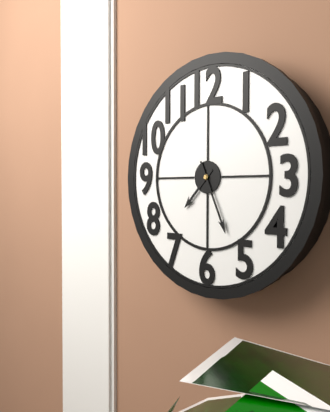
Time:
7.26
